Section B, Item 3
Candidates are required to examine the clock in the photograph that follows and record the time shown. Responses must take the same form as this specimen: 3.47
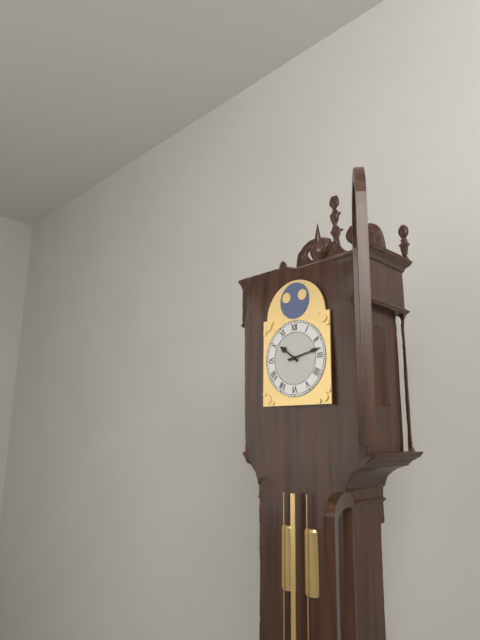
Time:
10.13
